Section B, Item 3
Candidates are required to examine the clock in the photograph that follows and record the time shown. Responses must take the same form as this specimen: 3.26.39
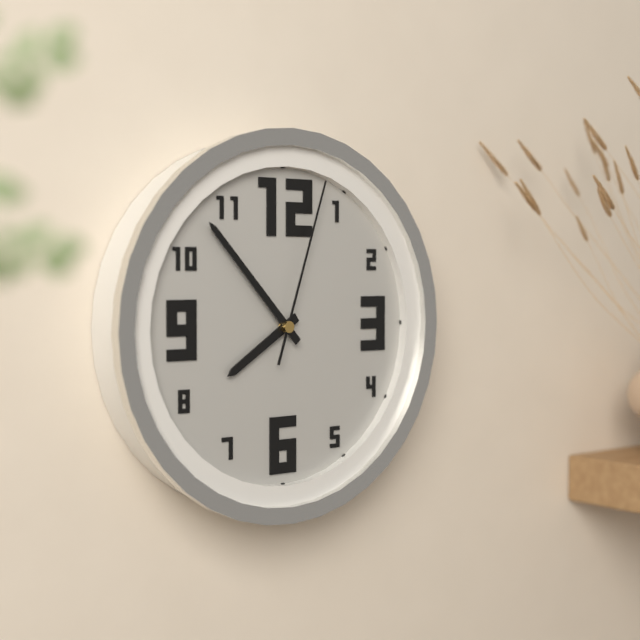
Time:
7.53.03
